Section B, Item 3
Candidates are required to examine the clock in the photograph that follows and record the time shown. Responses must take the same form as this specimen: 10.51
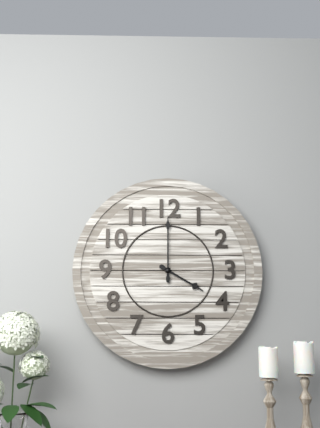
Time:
4.00
